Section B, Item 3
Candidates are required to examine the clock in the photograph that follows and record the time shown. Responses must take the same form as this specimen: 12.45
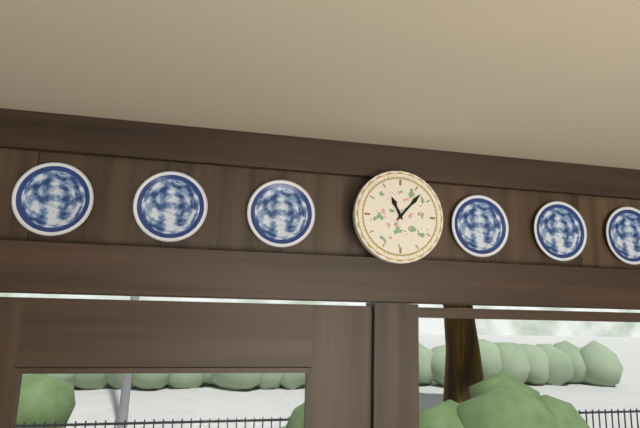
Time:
11.07
